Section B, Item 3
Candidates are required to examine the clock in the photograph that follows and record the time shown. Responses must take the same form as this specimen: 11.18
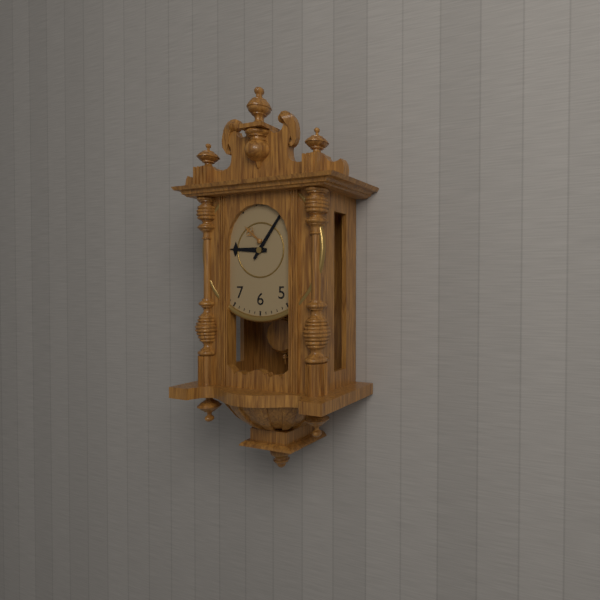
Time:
9.06
